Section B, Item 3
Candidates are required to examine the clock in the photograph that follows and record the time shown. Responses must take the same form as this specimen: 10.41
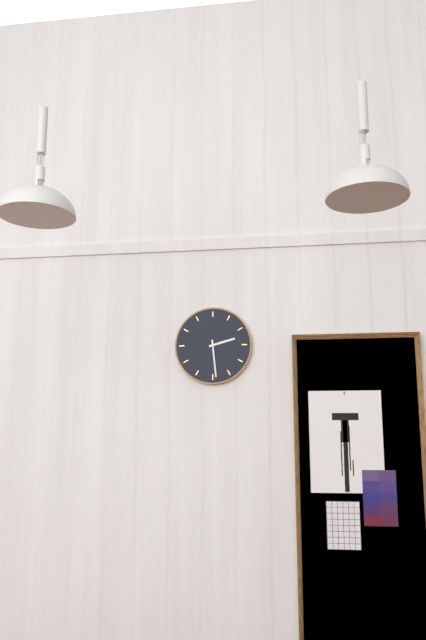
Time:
2.29
